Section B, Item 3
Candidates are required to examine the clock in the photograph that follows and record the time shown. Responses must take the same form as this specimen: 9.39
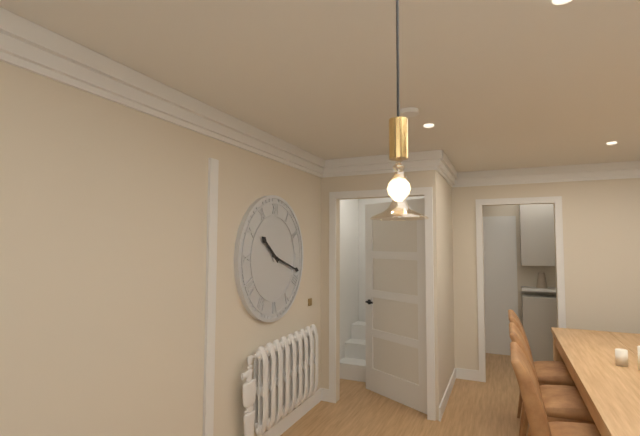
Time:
10.18
